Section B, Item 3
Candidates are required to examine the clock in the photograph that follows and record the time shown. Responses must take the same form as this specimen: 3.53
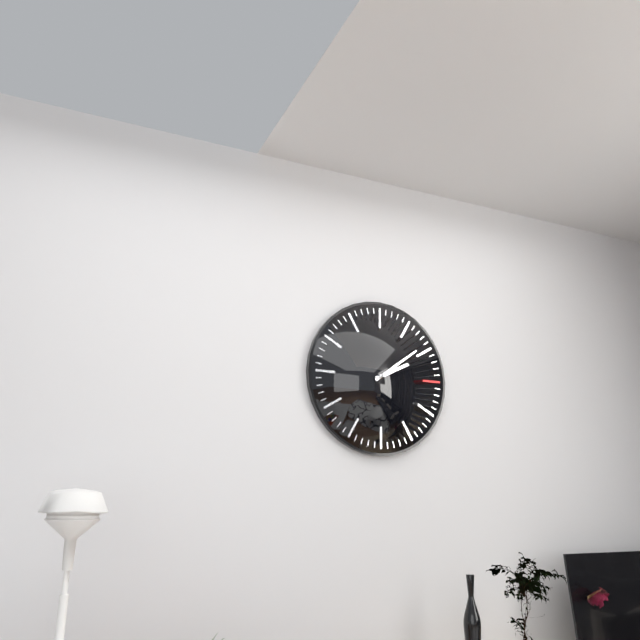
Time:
2.09
